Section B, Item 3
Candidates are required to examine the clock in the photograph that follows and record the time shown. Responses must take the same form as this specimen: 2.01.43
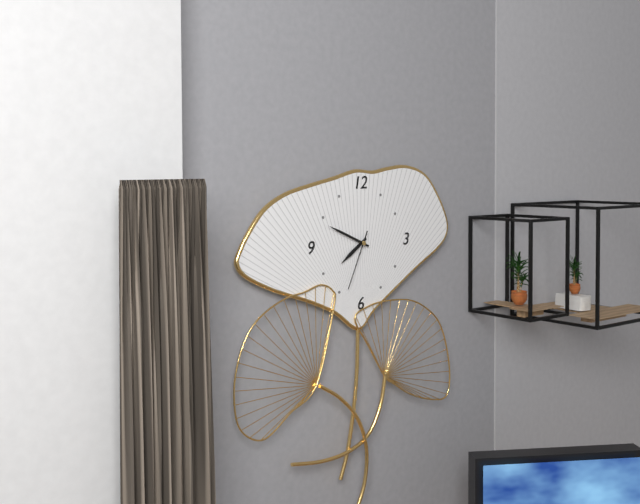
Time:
7.49.34
